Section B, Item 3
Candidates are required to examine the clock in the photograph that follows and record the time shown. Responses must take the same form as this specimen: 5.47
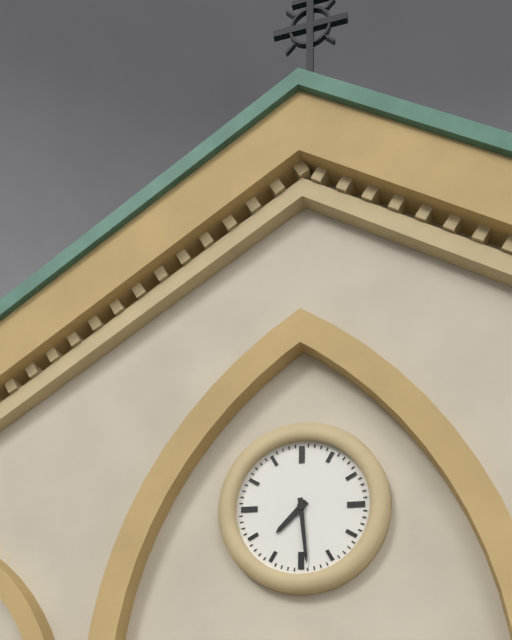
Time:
7.29
